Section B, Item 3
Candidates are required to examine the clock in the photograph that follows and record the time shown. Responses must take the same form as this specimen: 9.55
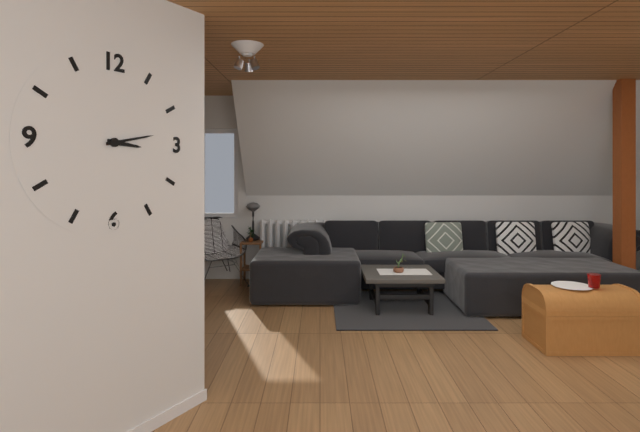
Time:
3.13
